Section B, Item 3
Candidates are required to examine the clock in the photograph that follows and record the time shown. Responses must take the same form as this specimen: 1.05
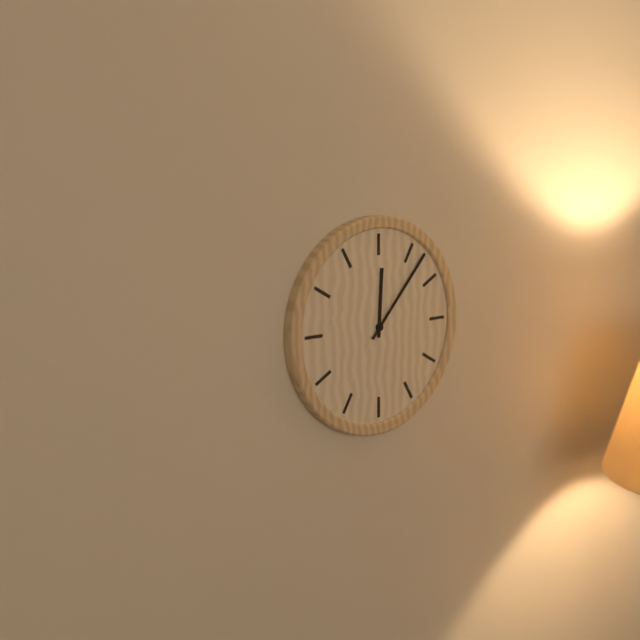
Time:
12.07
